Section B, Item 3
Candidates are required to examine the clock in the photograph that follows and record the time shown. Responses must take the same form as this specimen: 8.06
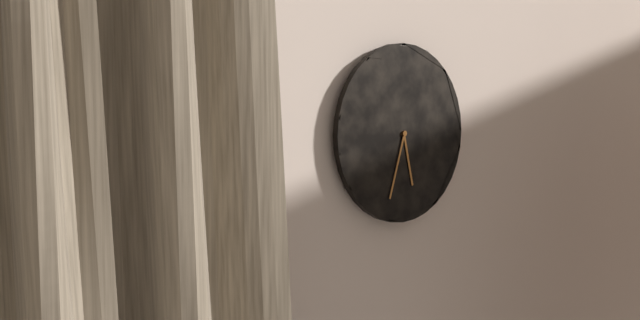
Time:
5.33
